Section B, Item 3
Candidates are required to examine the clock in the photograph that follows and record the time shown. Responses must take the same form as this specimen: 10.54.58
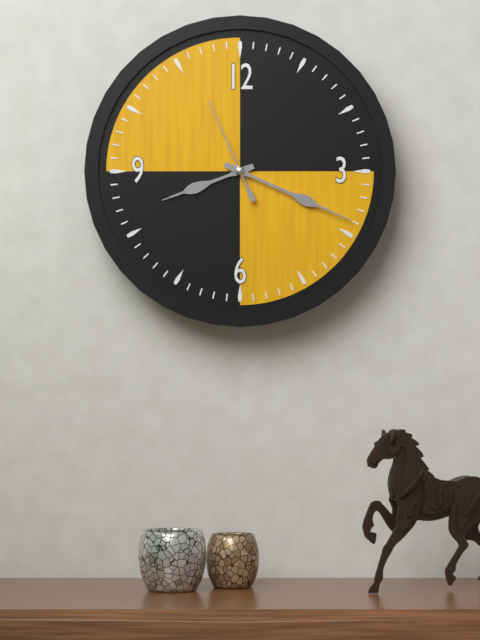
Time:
8.19.56
